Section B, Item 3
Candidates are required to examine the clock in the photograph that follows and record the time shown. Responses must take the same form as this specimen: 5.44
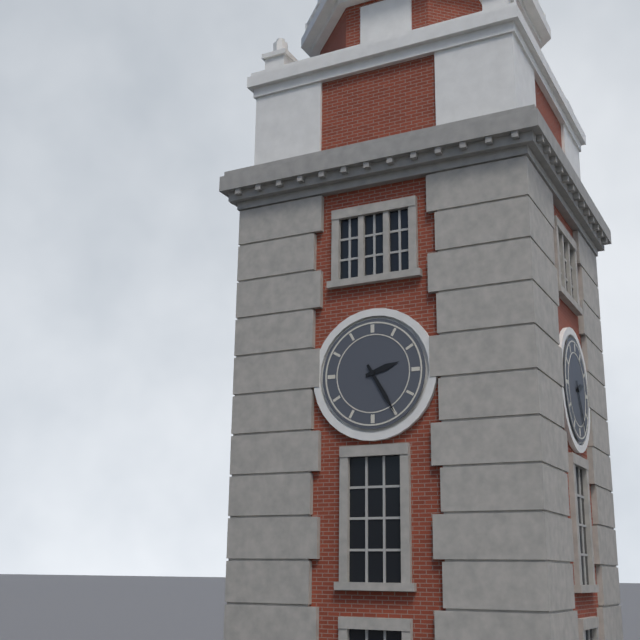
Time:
2.25
